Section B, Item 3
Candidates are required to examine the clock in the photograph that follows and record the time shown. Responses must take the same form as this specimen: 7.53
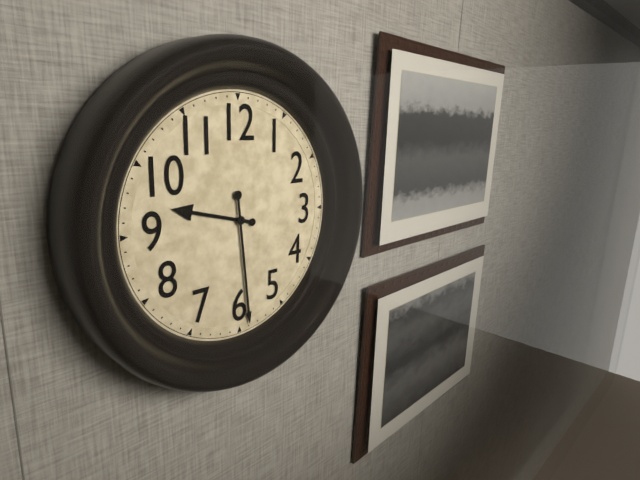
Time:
9.29
